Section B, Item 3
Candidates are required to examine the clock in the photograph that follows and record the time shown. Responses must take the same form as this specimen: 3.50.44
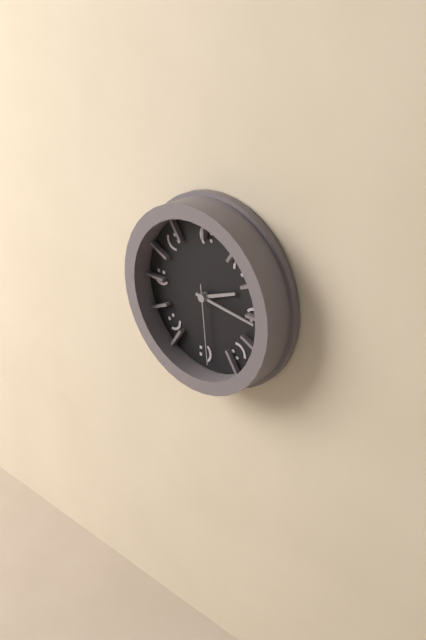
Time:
2.16.29
